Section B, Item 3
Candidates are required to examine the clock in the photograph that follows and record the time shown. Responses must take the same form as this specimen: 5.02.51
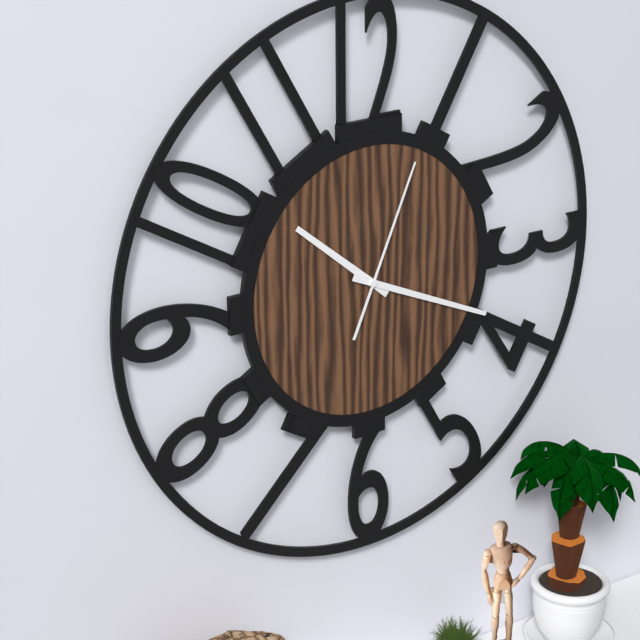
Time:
10.19.04
